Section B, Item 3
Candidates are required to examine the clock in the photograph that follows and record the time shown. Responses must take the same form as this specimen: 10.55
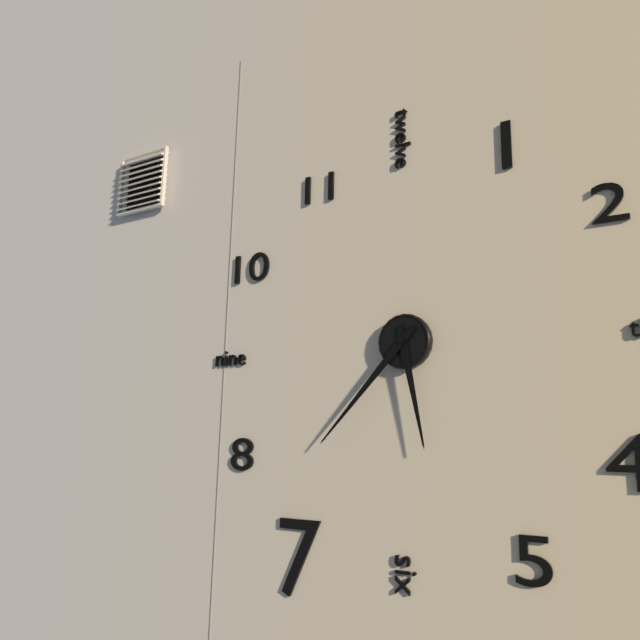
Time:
5.37
